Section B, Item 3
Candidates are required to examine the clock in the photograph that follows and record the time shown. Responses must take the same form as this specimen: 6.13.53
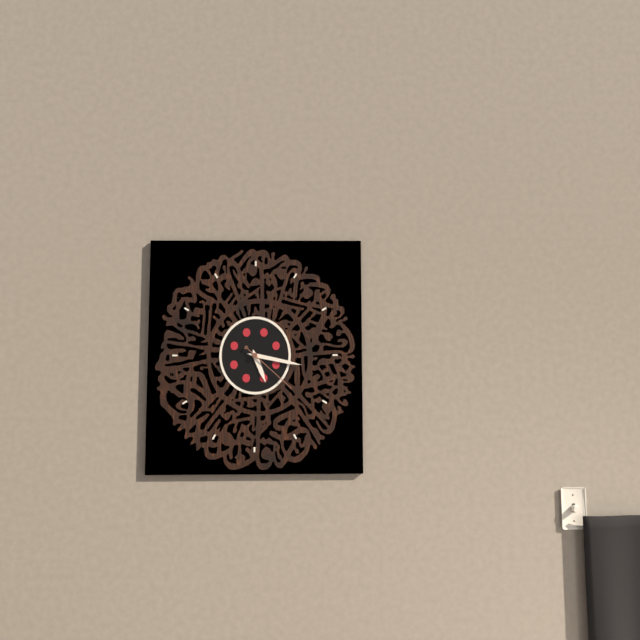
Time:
5.17.22
